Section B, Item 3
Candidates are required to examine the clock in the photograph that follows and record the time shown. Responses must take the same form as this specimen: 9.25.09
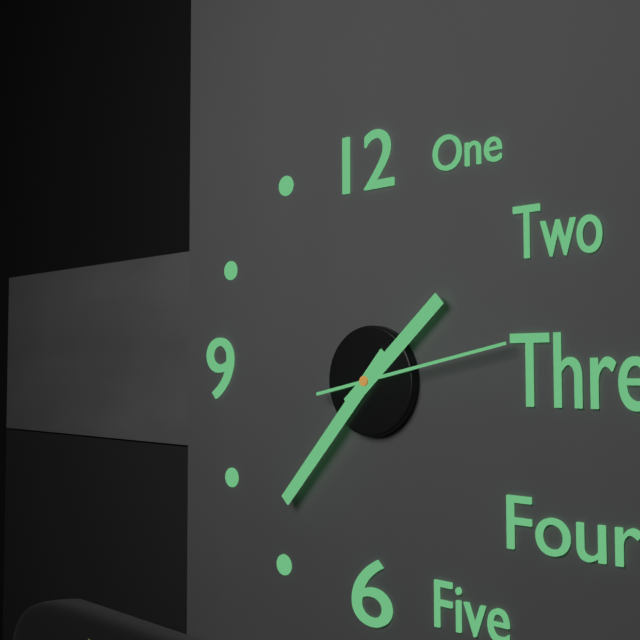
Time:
1.37.13
